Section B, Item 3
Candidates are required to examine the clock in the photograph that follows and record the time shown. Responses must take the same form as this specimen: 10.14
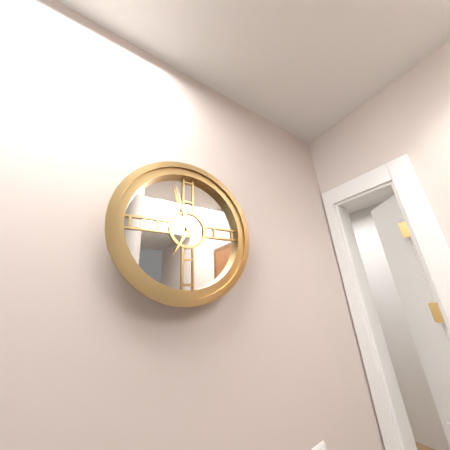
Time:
6.57
